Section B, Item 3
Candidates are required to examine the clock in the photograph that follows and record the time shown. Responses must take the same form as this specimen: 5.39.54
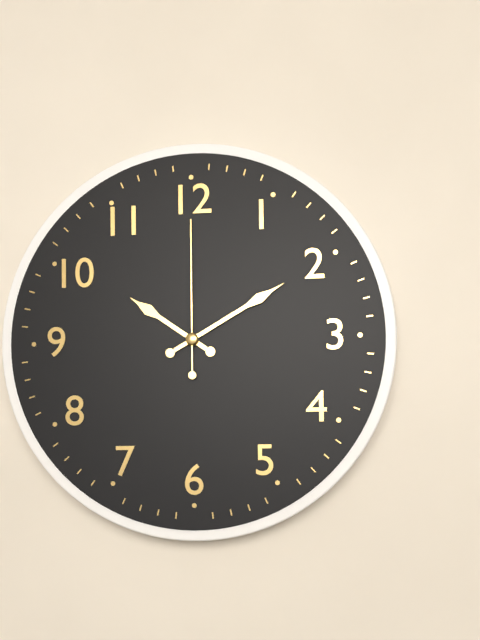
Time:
10.10.00
